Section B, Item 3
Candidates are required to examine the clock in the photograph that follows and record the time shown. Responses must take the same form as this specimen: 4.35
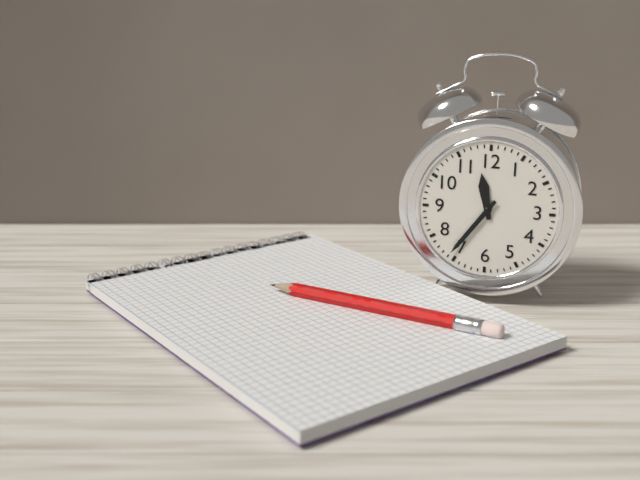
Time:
11.36
